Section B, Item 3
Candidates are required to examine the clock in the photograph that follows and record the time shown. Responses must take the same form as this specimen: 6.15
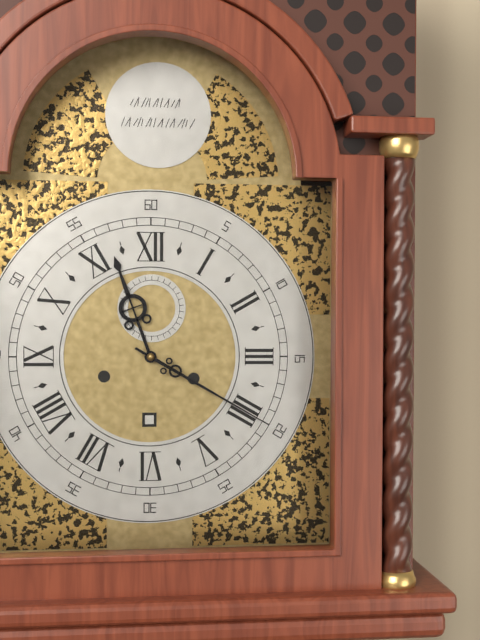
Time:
11.20
